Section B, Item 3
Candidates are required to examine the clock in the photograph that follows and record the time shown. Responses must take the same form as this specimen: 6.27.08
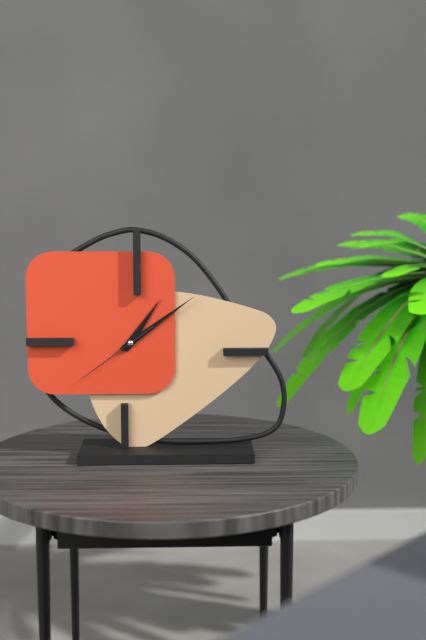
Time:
1.09.39
